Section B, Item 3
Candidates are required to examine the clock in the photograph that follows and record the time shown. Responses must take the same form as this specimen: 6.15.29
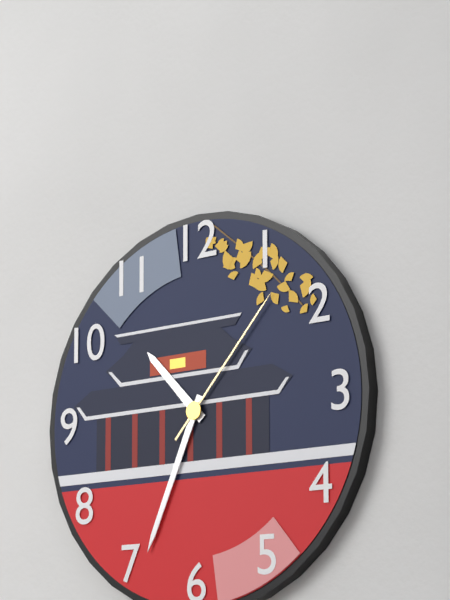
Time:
10.34.07
